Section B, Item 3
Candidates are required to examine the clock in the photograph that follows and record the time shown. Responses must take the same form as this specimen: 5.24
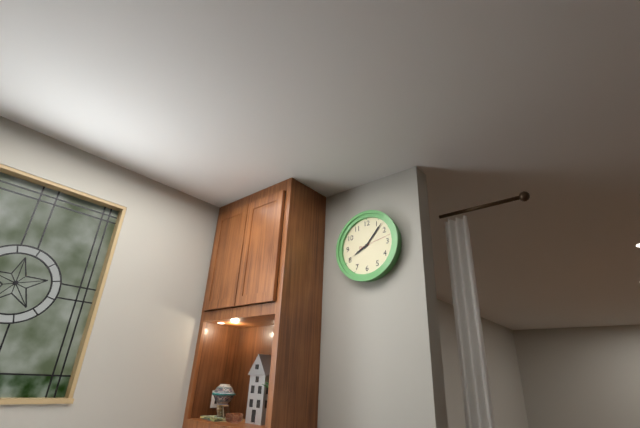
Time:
8.07
